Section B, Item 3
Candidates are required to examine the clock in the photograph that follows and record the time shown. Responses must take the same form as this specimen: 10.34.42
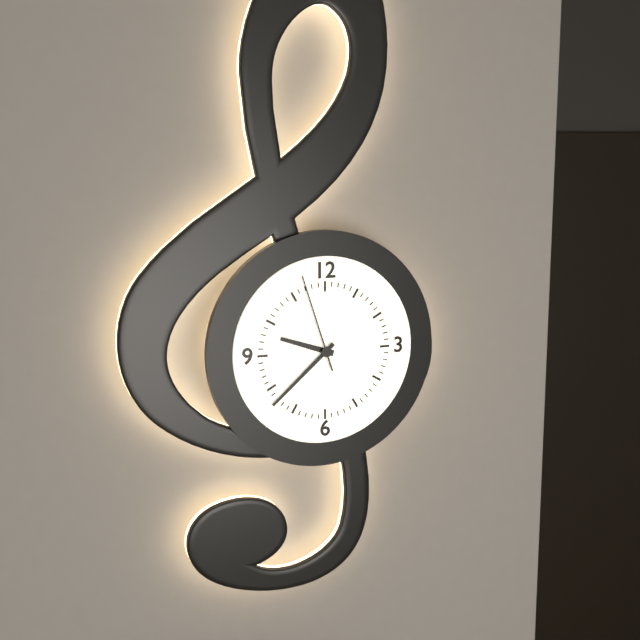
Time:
9.38.57
